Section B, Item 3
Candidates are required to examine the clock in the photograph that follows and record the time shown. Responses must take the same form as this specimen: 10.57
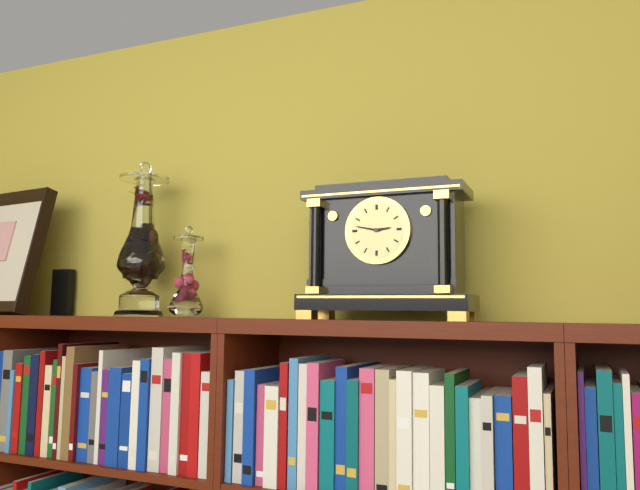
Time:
2.47
